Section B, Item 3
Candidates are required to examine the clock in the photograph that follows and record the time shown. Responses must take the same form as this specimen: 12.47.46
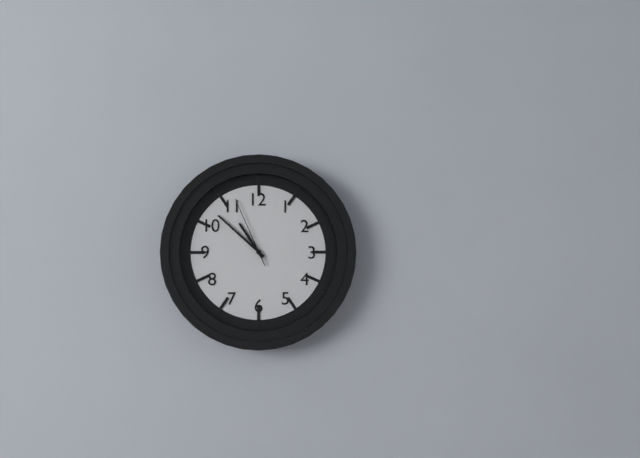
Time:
10.52.56
